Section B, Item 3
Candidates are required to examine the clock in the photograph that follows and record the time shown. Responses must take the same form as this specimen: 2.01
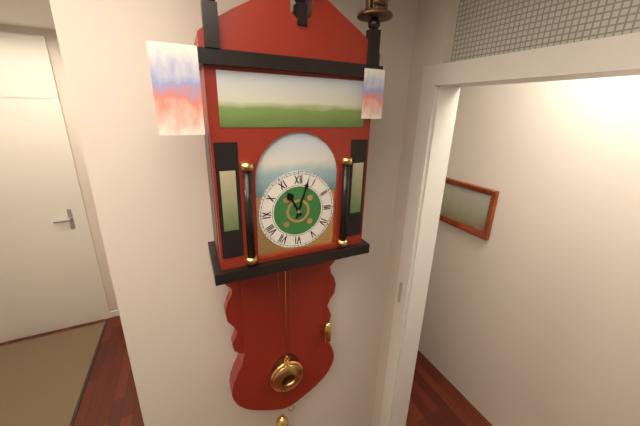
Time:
11.03
